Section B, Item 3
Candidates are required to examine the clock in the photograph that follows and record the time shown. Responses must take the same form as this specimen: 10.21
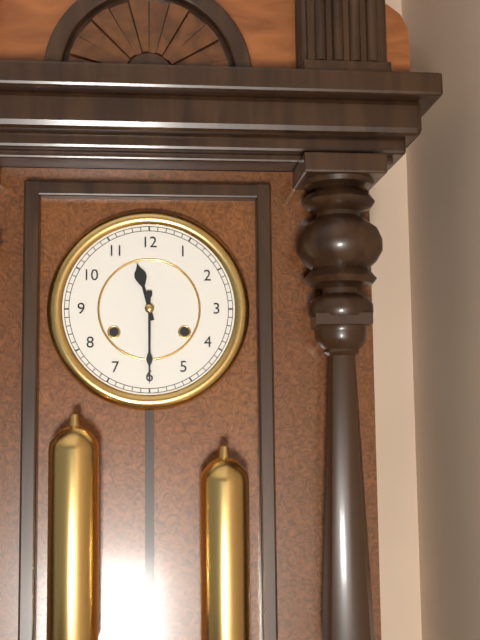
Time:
11.30
